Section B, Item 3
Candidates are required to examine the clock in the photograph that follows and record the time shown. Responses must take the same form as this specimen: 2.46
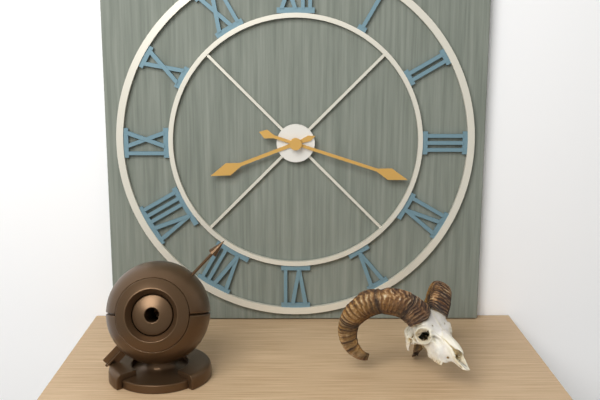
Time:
8.18
